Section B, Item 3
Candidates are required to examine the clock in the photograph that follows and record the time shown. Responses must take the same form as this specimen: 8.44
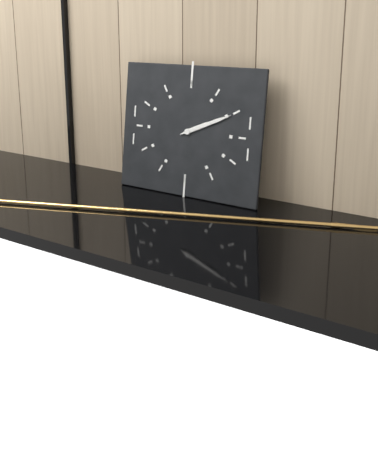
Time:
2.11
